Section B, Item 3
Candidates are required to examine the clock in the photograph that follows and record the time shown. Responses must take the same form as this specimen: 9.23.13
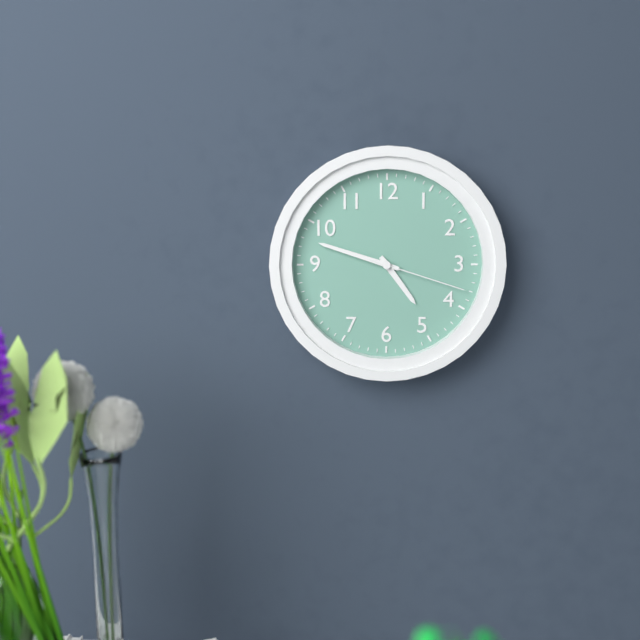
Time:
4.48.18
